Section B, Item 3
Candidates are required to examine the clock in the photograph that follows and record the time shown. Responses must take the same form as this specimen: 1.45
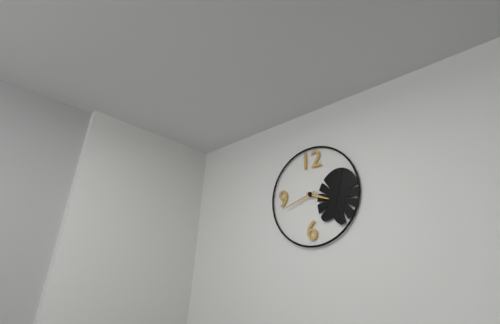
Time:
3.42
